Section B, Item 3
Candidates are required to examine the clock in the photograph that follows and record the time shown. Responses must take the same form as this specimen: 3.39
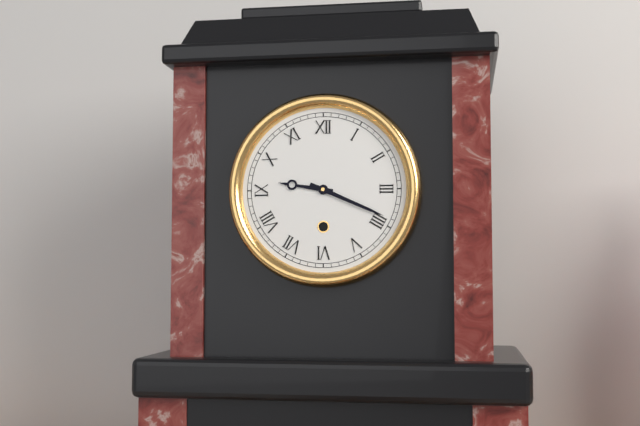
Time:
9.19
